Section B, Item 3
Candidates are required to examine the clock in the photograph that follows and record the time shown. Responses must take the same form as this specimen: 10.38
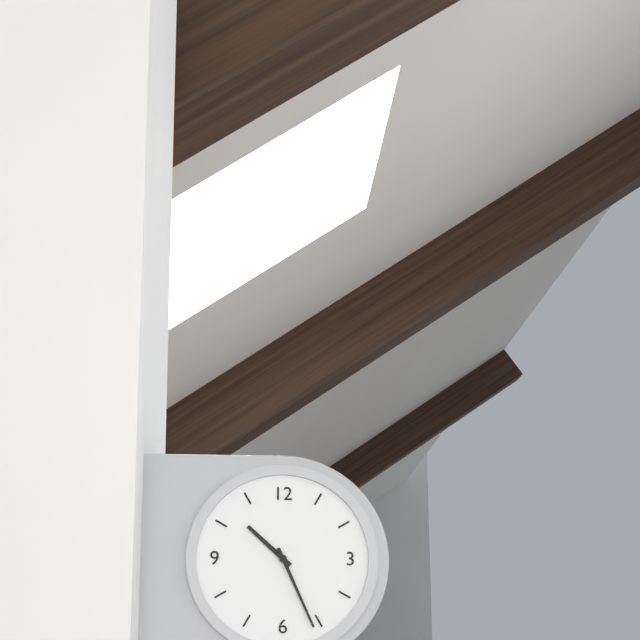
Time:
10.26
